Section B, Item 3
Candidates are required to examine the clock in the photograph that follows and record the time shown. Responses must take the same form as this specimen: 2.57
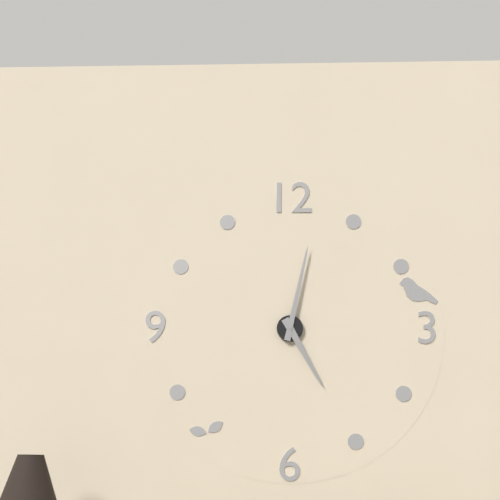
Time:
5.02
